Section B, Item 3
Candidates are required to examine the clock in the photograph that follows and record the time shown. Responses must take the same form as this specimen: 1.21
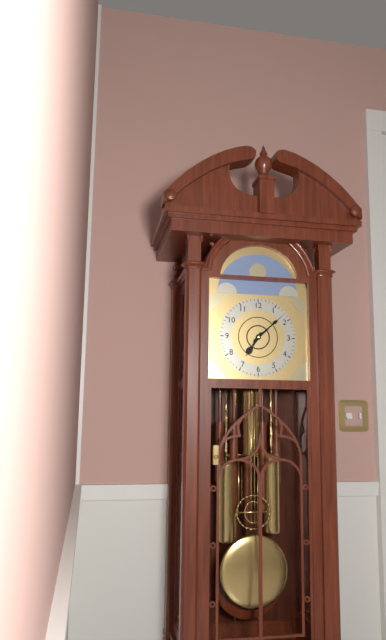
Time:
7.08
